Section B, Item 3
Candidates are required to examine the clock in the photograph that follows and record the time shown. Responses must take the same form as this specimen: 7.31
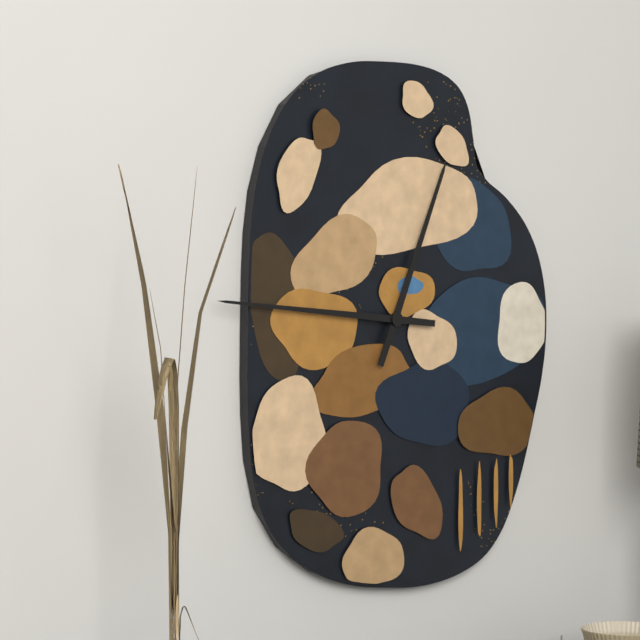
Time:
12.46
